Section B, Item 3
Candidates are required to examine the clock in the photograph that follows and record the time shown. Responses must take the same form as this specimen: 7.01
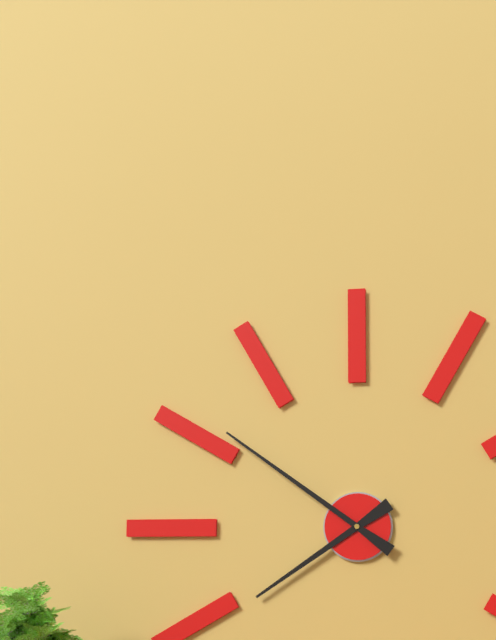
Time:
7.51
